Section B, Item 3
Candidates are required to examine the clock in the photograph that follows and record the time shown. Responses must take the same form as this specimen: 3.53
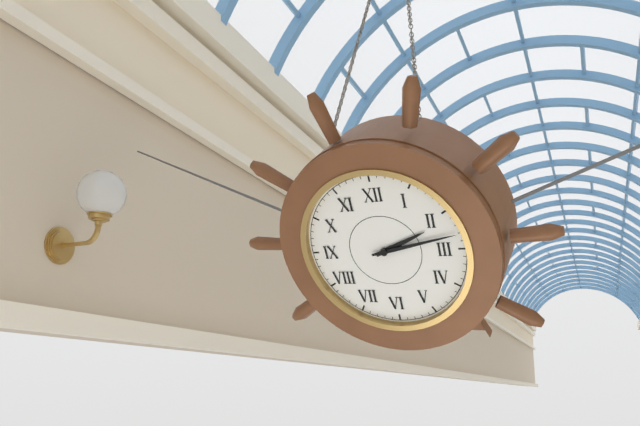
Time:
2.13
